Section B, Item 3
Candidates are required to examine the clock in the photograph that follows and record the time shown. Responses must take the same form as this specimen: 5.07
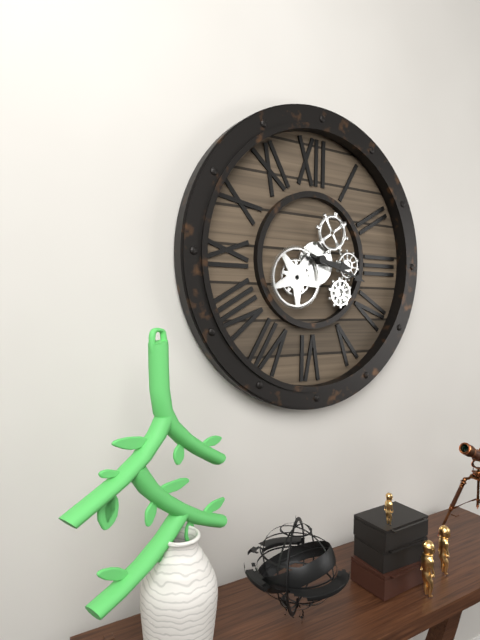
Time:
3.18
